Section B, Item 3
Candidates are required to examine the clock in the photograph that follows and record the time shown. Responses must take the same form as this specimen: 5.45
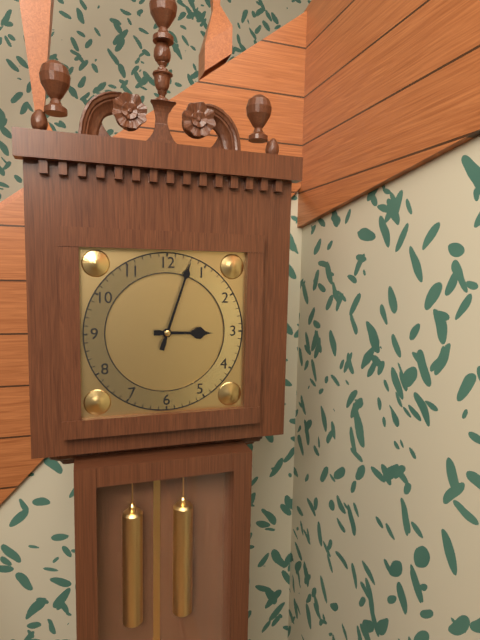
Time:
3.03
